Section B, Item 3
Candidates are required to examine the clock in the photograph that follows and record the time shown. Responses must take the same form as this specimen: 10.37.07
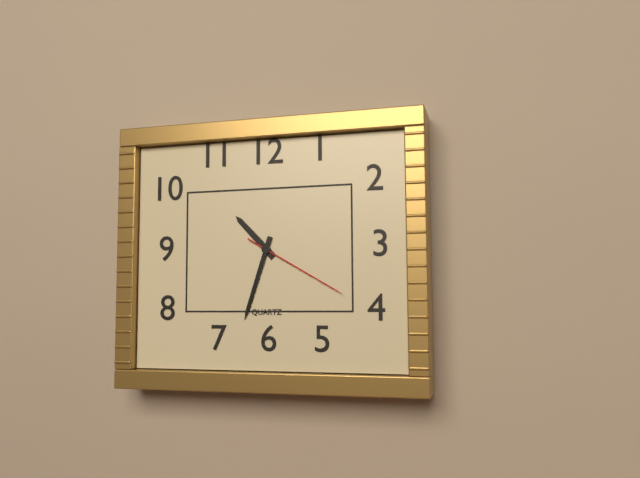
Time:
10.33.20
